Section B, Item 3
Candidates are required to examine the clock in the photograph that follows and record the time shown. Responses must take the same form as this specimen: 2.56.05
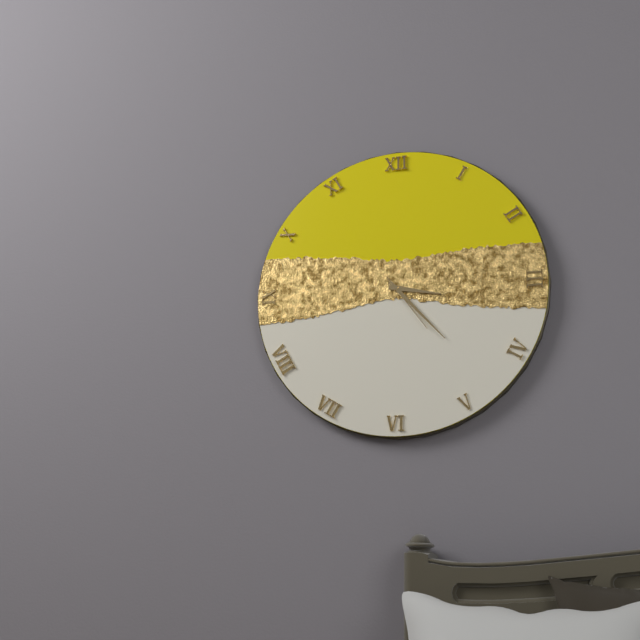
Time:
3.23.24
